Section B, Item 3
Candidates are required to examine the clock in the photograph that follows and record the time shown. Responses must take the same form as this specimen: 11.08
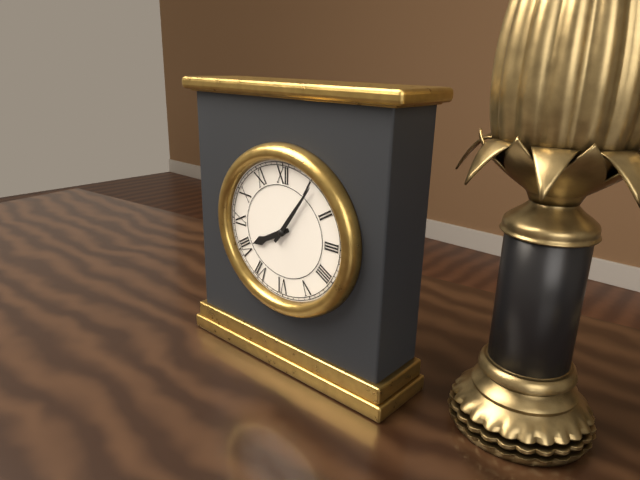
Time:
8.06
